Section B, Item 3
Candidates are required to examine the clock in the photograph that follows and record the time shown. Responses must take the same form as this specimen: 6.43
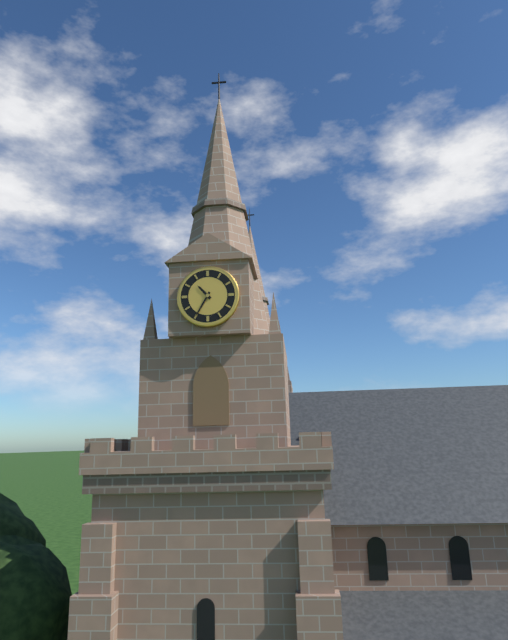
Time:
10.35
